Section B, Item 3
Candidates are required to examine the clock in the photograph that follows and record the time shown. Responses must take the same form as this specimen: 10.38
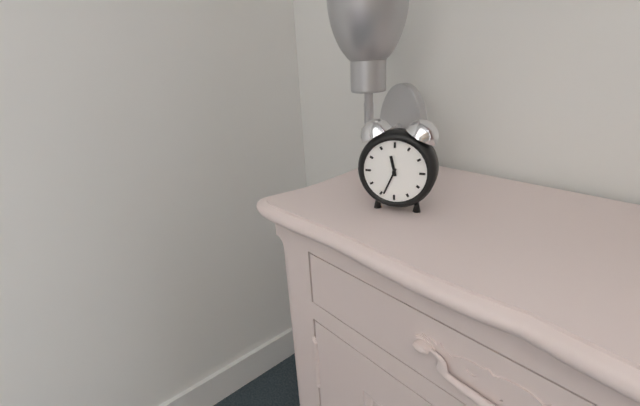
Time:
11.34
